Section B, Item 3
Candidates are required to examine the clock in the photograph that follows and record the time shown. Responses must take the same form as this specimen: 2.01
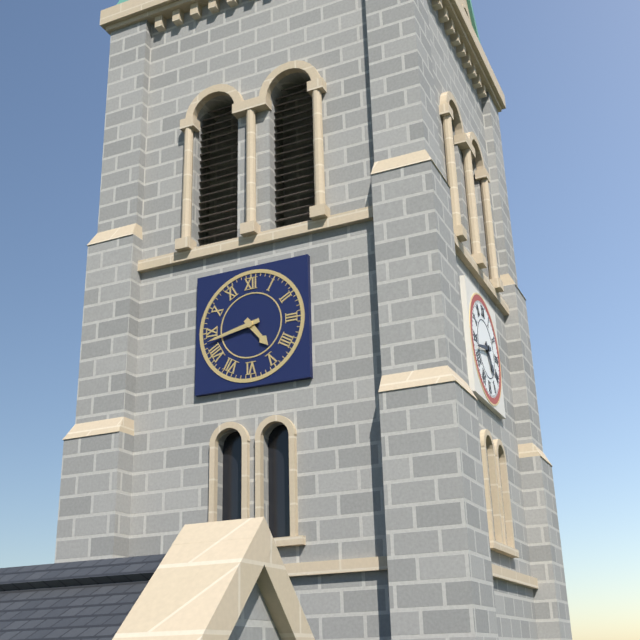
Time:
4.43
